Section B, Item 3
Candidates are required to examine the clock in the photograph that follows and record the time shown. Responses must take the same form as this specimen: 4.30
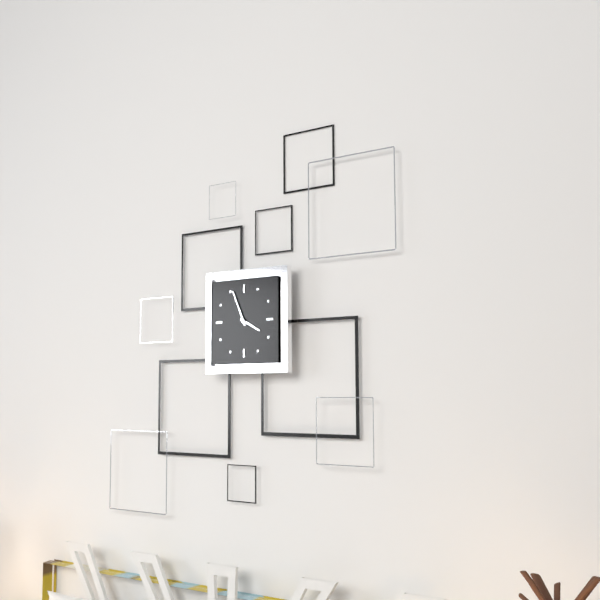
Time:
3.56
